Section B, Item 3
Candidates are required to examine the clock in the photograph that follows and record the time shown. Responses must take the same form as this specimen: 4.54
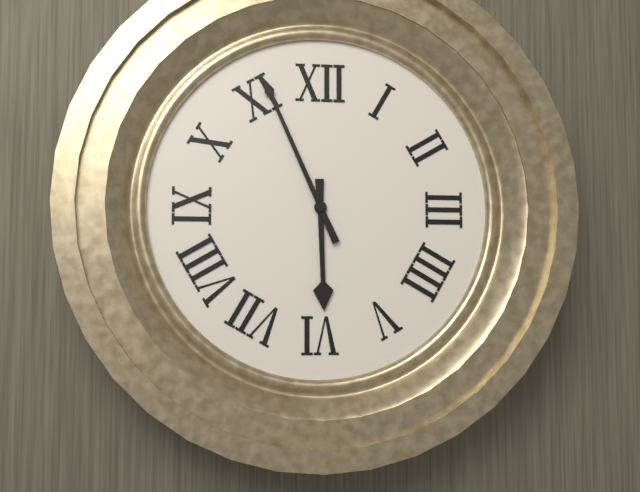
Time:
5.56
